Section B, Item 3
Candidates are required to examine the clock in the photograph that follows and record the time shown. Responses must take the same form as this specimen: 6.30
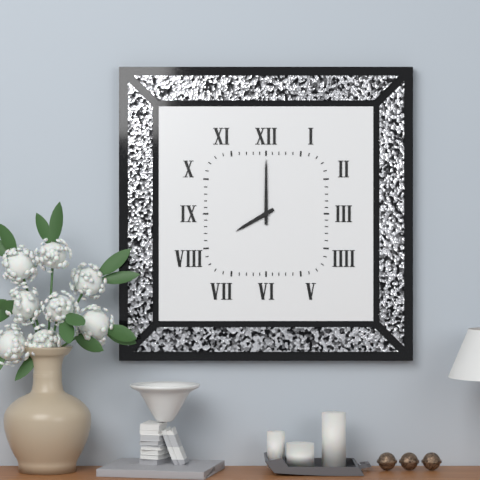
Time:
8.00
